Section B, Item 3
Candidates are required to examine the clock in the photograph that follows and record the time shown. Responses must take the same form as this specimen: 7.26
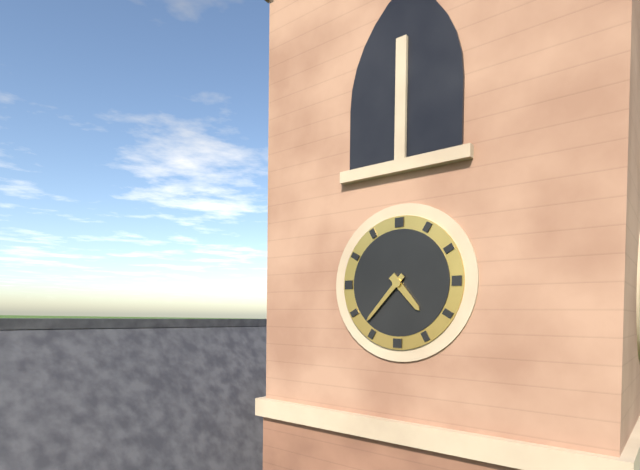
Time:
4.37
